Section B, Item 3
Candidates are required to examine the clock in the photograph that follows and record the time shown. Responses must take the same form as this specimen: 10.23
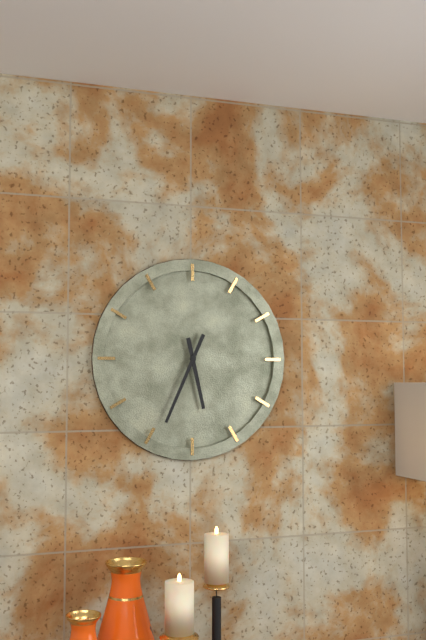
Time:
5.34
